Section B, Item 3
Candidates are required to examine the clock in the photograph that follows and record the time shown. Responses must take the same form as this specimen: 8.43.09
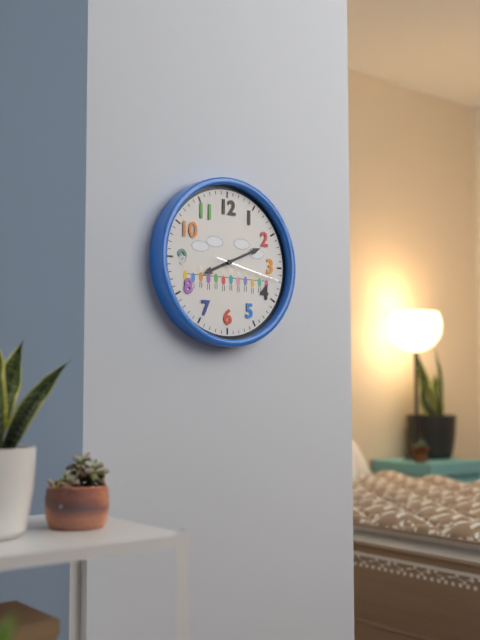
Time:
8.11.17
